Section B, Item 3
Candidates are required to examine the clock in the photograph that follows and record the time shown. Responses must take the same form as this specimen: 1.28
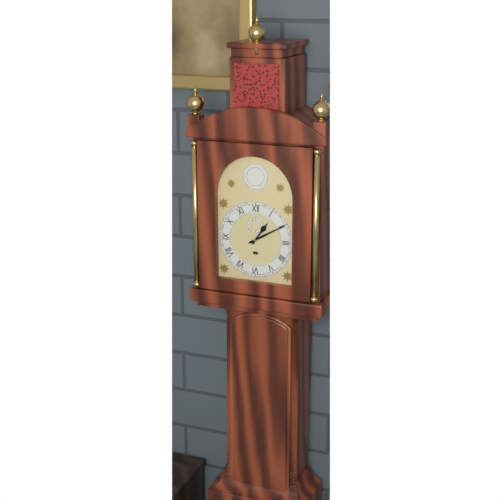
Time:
1.10
